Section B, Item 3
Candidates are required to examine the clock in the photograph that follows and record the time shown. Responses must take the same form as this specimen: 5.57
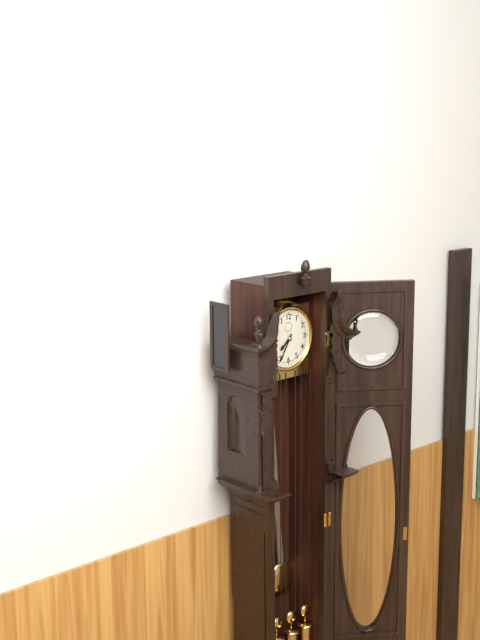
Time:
7.35
